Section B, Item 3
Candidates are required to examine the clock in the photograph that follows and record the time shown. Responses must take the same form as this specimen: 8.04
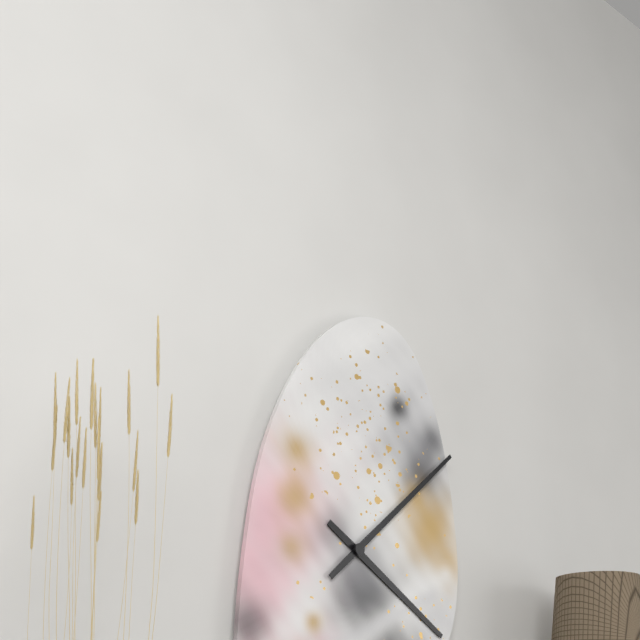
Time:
4.08
